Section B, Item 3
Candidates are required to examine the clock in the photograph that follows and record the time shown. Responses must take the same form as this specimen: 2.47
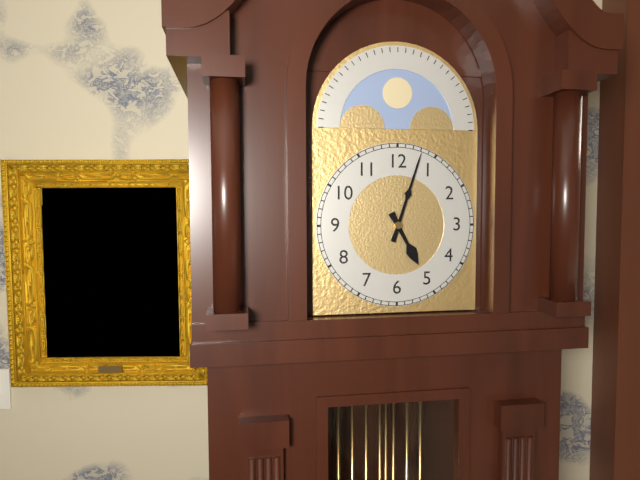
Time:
5.03
